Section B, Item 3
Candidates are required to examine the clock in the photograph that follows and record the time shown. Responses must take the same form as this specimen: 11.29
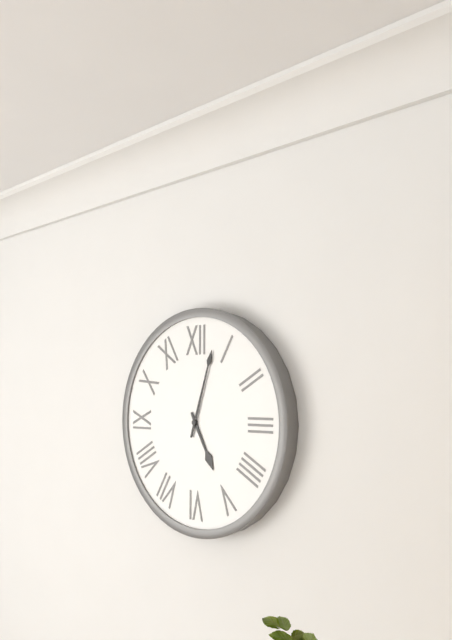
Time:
5.03
